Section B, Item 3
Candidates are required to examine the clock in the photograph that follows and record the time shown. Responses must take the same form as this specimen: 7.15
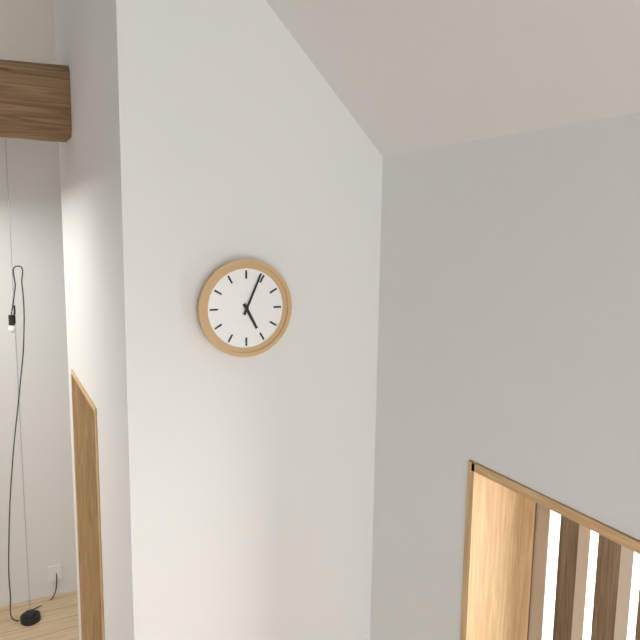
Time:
5.04
